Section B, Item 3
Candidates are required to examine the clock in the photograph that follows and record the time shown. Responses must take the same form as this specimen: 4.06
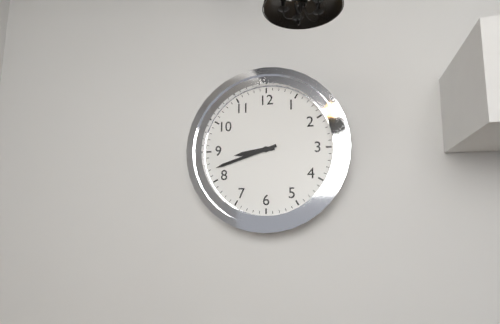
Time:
8.42
